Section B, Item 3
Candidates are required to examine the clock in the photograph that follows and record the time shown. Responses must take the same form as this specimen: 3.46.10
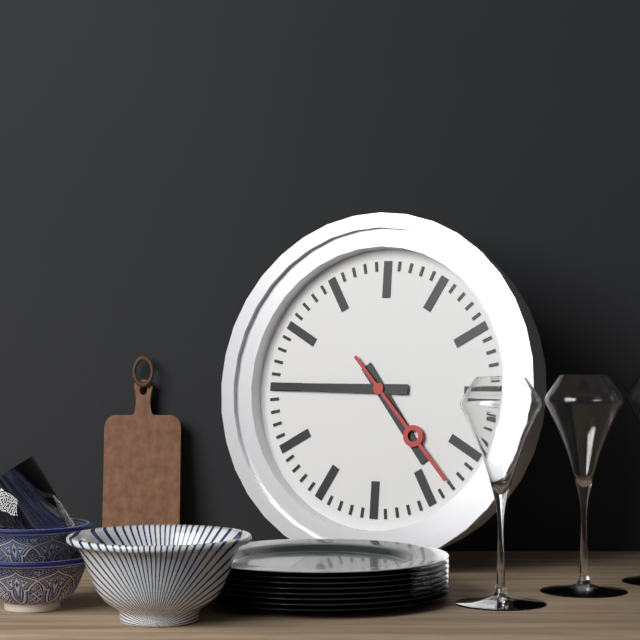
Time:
4.45.23
